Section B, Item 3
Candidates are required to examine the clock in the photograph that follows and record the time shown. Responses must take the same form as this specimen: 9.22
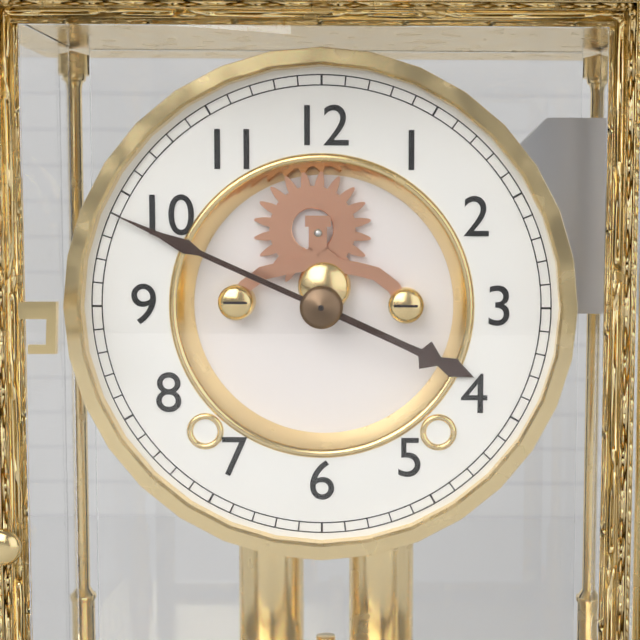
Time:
3.49
